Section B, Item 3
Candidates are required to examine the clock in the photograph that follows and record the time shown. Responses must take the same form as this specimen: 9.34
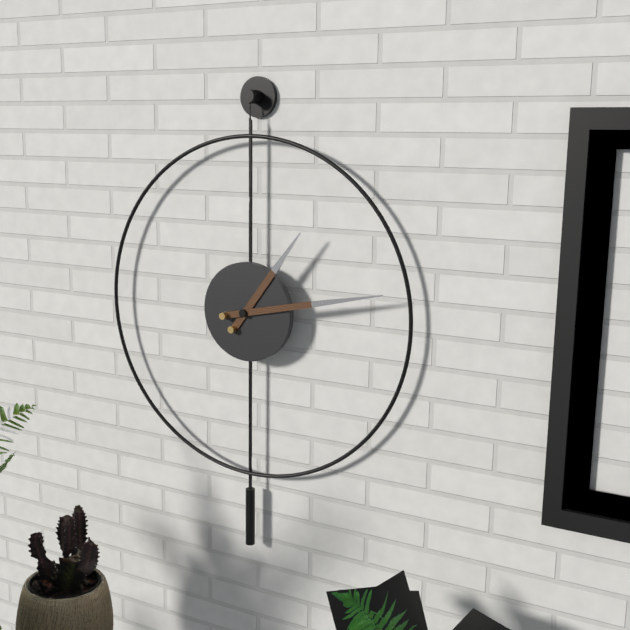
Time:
1.13
